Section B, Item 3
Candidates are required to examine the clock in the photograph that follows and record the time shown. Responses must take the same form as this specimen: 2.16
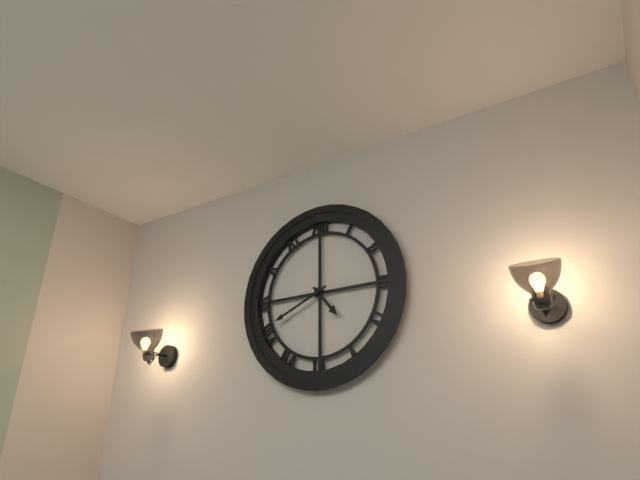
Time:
4.41
